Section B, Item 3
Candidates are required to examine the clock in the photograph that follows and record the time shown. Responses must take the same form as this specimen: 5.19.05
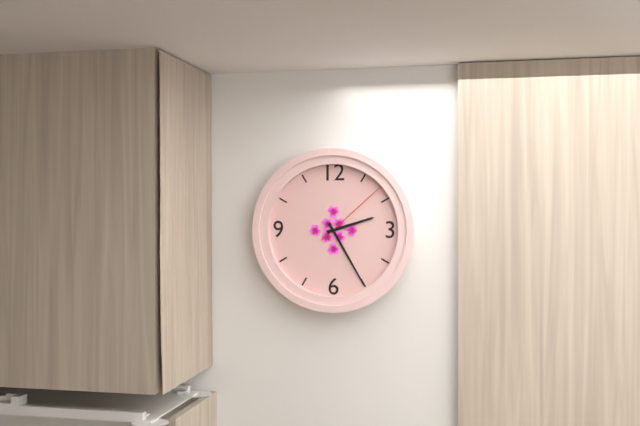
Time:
2.25.08
